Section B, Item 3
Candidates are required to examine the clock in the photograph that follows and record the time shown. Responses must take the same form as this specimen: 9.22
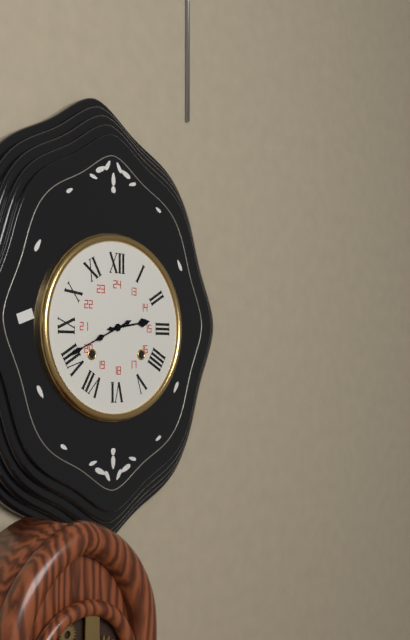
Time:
2.41
